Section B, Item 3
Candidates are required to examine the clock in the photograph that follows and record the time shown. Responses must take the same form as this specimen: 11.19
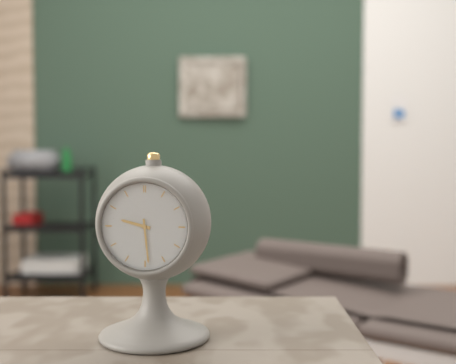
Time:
9.29
